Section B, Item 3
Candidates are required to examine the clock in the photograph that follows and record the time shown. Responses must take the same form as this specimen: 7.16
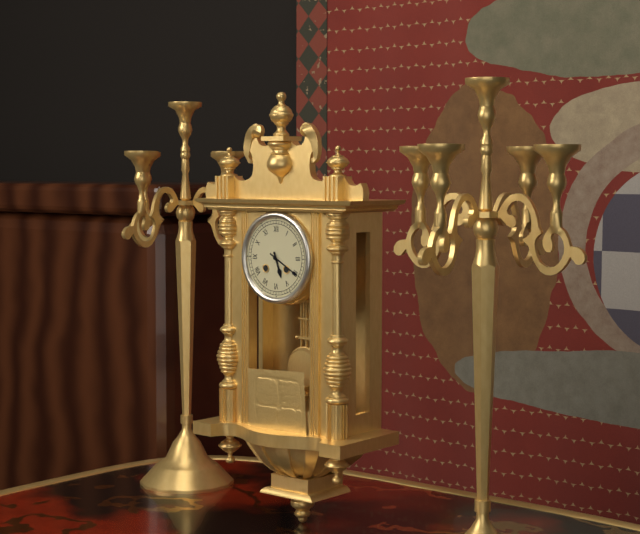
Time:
5.20
